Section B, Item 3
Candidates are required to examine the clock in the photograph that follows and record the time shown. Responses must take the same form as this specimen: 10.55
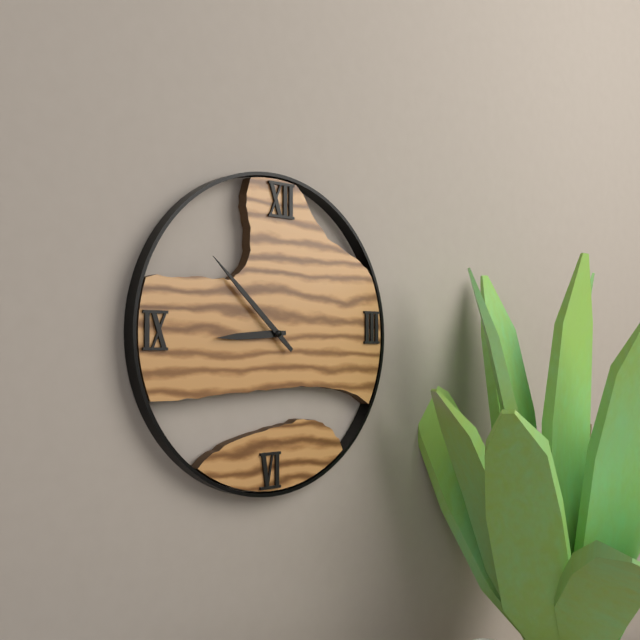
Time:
8.52
